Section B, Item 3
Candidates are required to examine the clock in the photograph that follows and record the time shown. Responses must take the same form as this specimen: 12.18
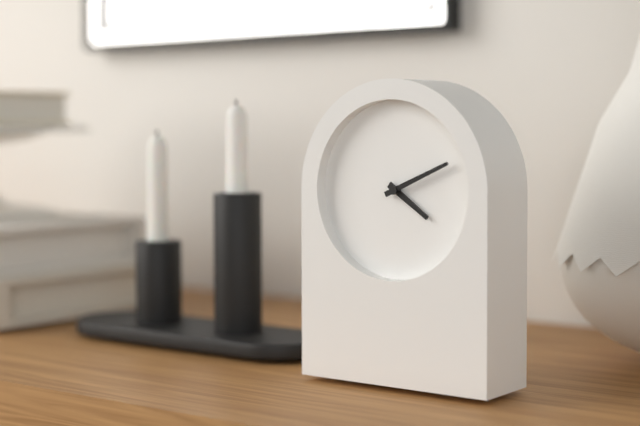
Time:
4.11
